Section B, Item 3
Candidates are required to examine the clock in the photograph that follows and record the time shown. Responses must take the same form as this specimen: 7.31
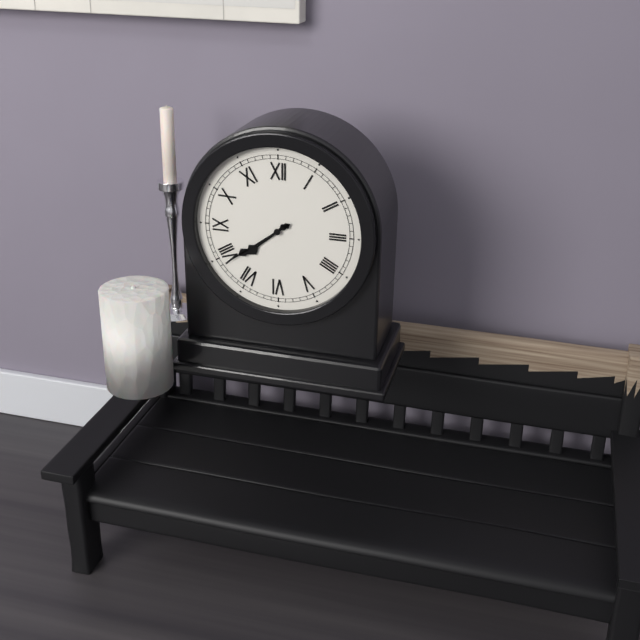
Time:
7.39
